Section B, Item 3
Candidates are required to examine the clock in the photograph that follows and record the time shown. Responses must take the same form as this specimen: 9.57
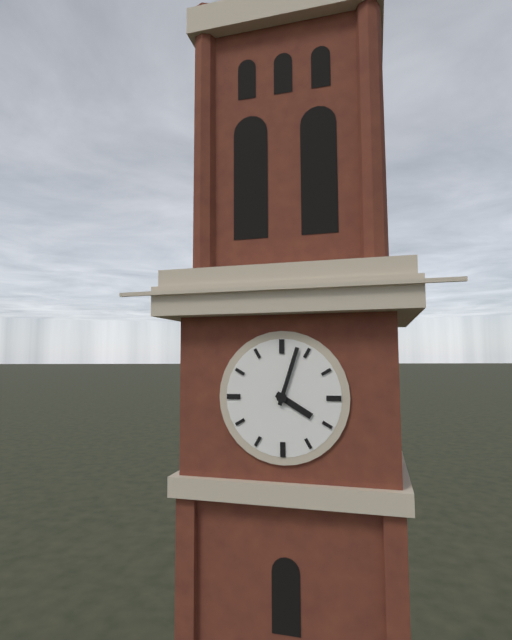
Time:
4.03
